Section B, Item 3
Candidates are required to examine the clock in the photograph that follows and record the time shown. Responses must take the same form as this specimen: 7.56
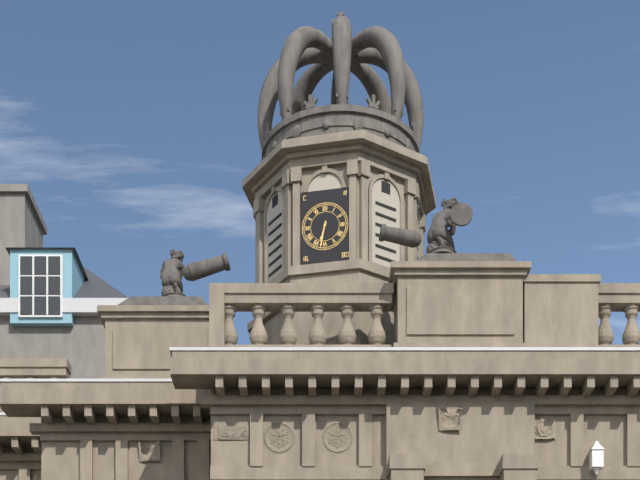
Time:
6.32
